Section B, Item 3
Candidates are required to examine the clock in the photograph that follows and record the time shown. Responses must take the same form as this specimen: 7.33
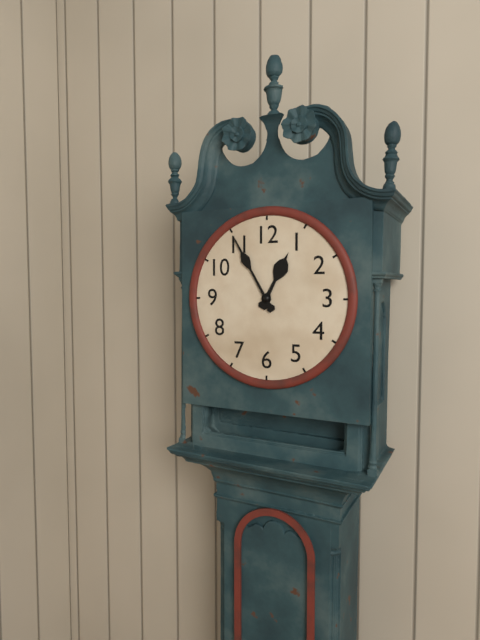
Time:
12.55
